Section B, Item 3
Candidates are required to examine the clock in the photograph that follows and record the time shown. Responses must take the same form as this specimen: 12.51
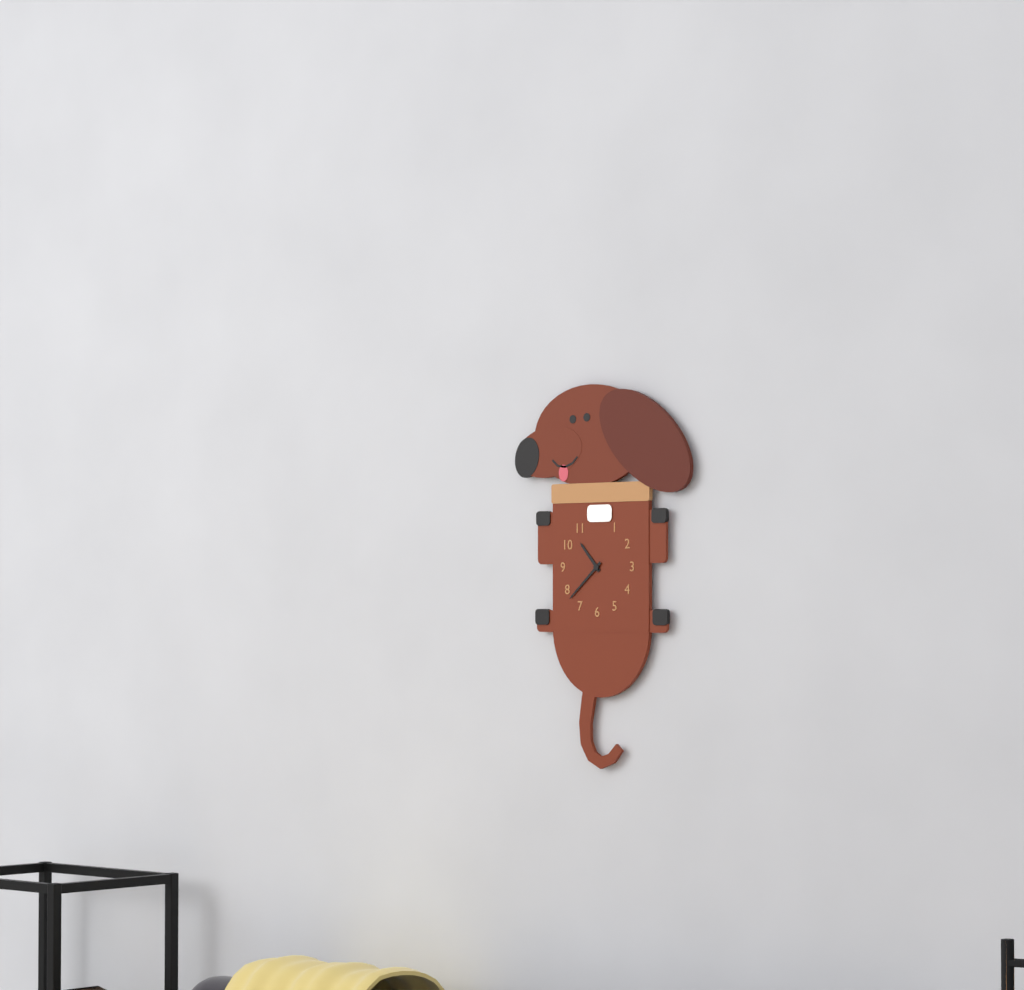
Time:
10.38
